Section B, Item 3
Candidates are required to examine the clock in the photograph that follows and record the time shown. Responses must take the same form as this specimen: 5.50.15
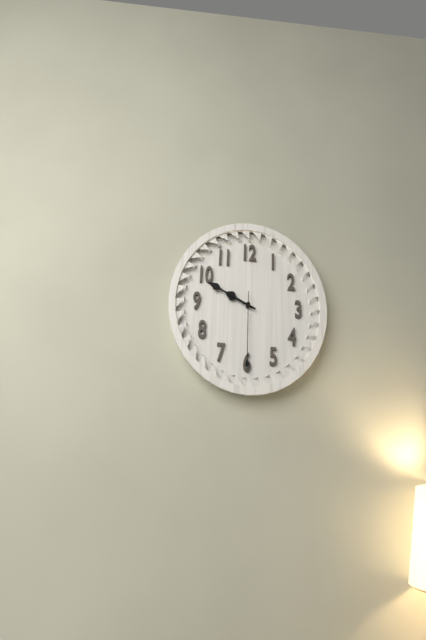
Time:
9.49.30
